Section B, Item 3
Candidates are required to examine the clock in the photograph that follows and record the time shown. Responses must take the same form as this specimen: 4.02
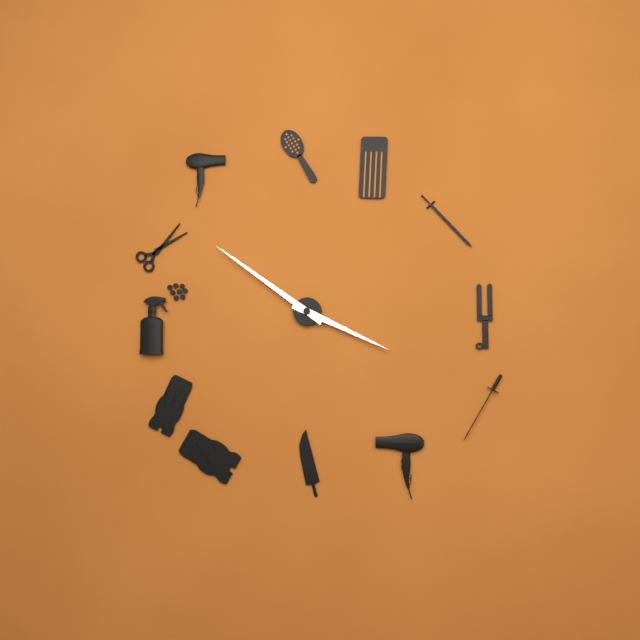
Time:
3.51
